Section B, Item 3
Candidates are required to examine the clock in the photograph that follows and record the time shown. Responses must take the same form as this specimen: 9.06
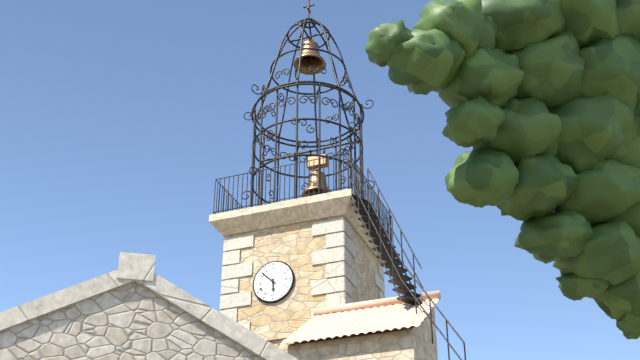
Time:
5.52
